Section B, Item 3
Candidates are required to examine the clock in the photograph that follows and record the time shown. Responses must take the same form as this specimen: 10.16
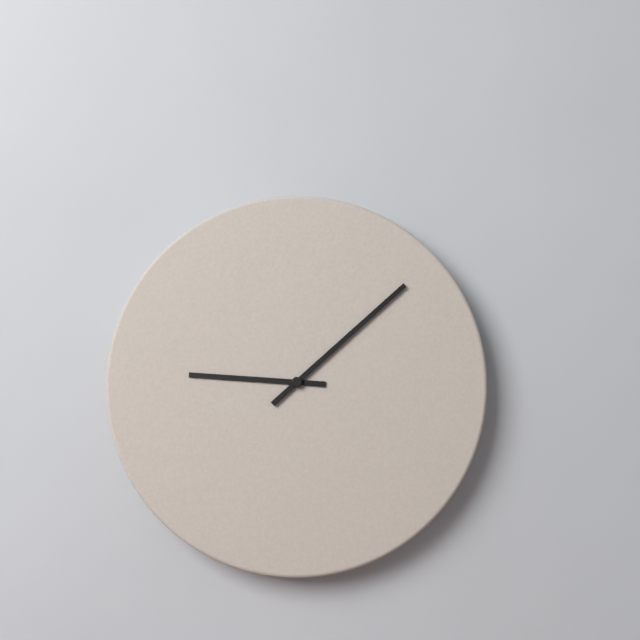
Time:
9.08
